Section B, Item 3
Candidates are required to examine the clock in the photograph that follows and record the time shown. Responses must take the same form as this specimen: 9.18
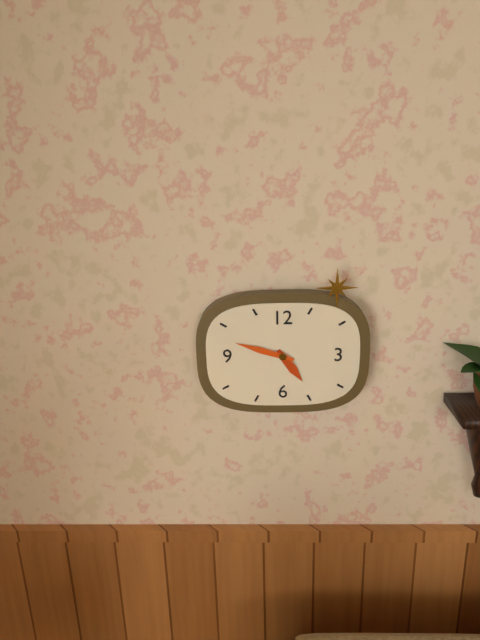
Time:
4.48
